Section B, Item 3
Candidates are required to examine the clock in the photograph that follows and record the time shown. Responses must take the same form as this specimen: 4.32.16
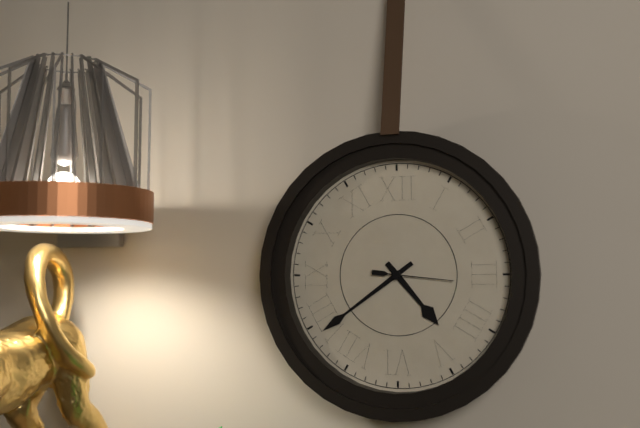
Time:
4.39.16
